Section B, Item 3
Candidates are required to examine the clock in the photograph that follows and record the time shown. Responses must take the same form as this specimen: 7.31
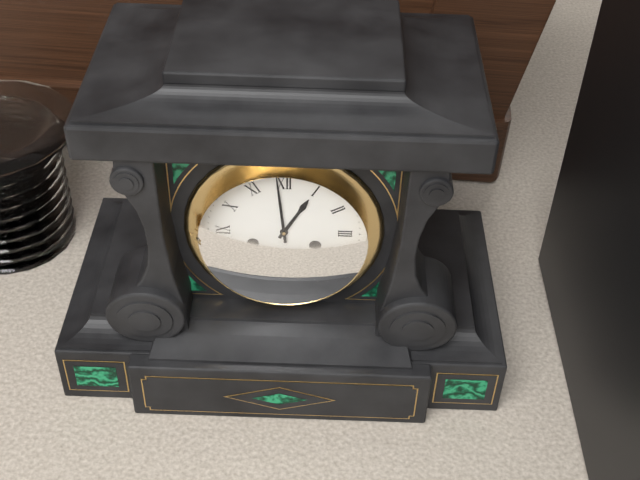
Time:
12.59
